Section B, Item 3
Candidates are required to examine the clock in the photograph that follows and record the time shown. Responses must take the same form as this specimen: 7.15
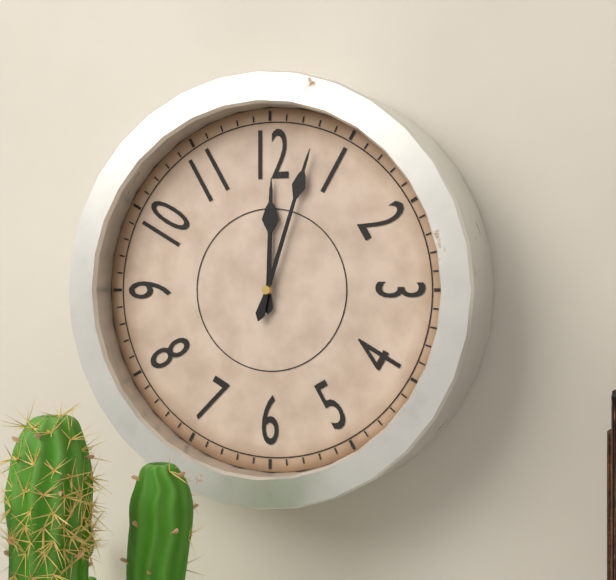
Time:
12.03
